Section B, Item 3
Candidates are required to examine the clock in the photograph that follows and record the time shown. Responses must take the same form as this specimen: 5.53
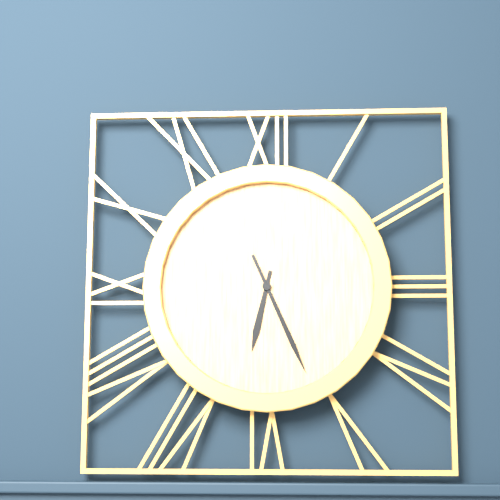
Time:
6.26
